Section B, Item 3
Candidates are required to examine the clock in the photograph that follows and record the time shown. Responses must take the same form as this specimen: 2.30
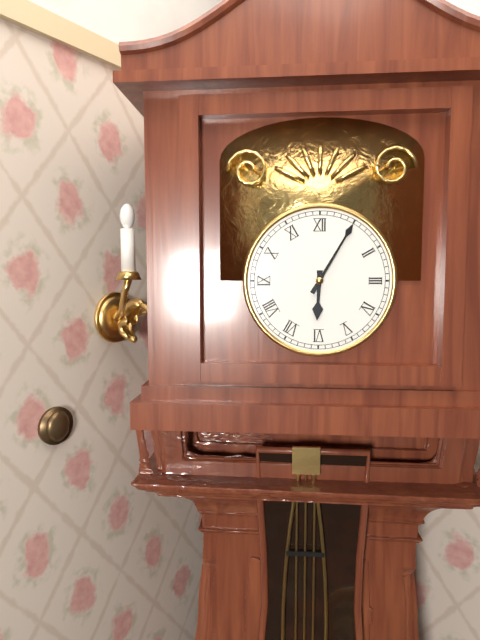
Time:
6.05
